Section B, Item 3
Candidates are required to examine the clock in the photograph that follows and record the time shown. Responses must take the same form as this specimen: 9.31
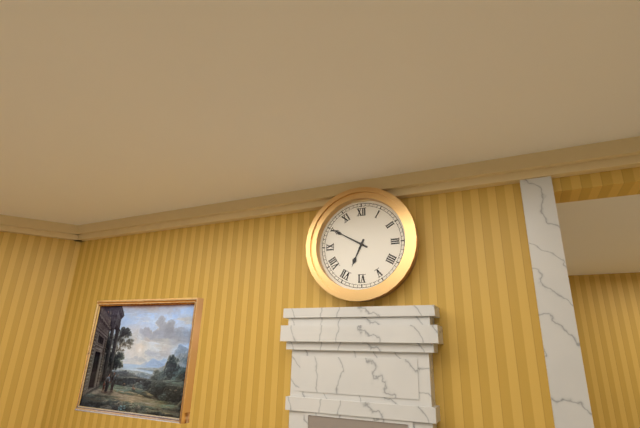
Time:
6.50
